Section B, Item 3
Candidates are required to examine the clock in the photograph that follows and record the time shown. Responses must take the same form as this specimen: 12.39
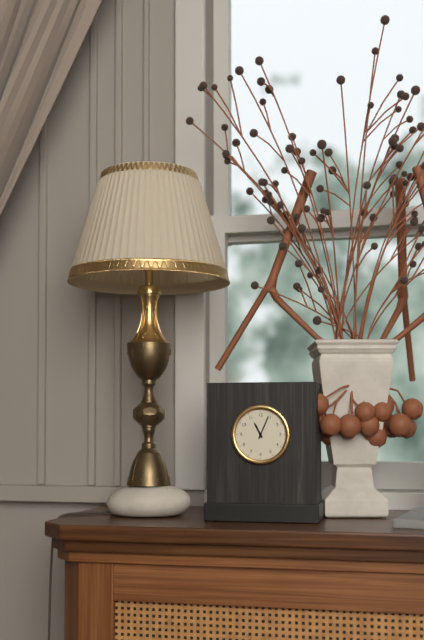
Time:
11.04
